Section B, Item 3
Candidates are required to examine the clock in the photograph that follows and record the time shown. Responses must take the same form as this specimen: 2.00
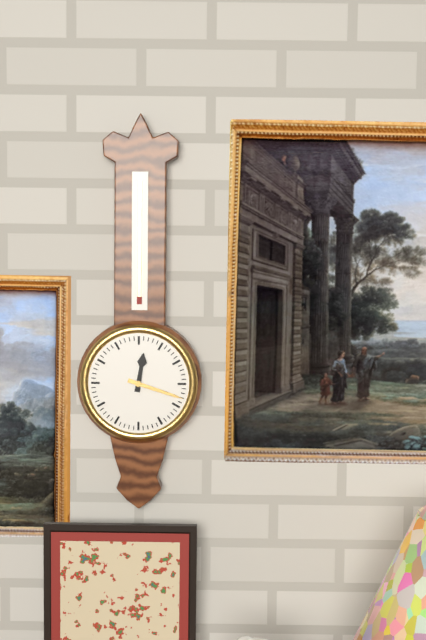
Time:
12.18
